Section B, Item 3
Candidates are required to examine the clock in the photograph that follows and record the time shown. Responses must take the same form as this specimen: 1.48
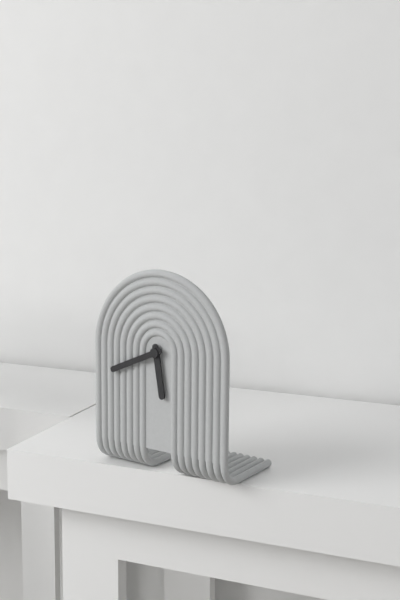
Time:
5.41
